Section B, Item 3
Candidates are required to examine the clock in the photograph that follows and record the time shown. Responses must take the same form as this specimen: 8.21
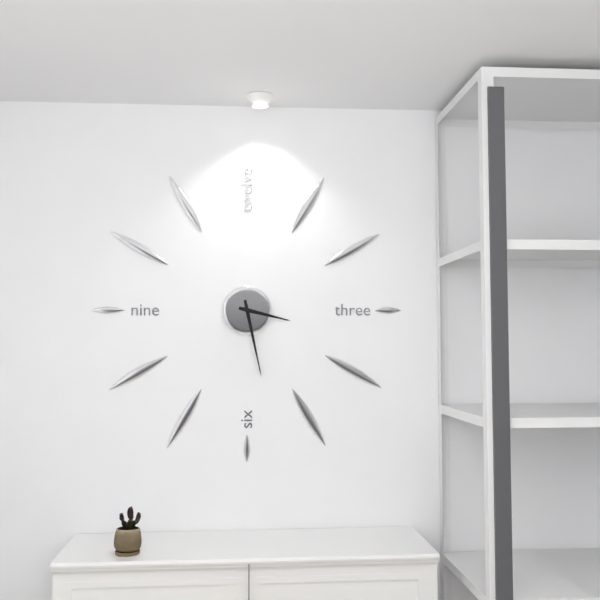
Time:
3.28
